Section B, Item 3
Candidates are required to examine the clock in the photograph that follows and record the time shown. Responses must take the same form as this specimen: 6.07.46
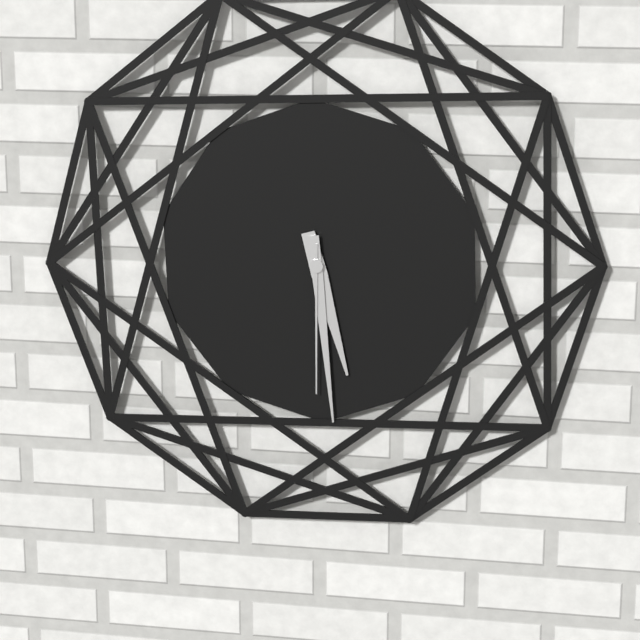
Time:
5.29.30
